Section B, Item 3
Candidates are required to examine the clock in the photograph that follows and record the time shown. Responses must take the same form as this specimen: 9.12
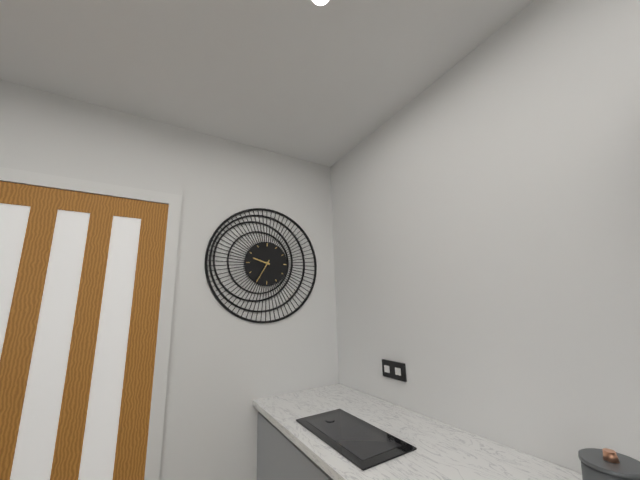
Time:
9.35
